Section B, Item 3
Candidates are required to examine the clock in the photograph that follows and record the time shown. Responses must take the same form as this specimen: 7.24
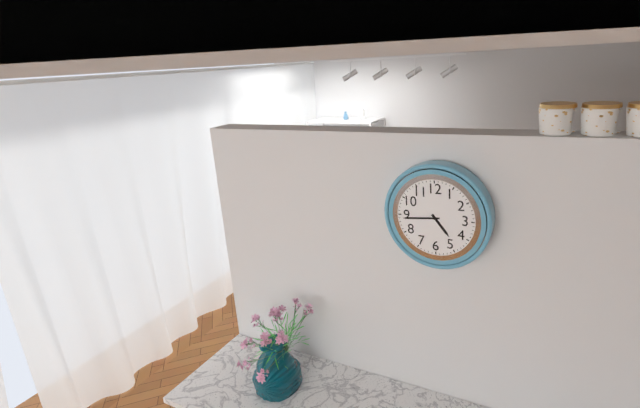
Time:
4.44
